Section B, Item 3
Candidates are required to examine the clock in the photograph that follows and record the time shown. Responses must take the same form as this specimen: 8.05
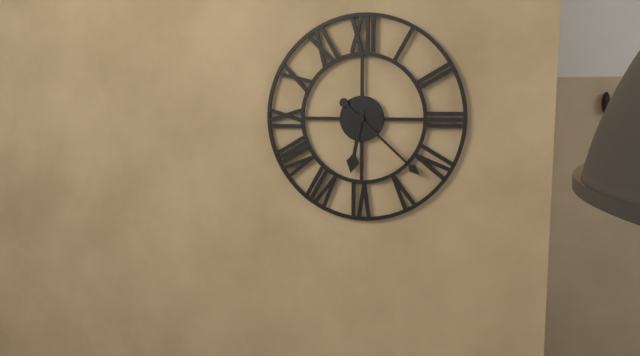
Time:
6.22
